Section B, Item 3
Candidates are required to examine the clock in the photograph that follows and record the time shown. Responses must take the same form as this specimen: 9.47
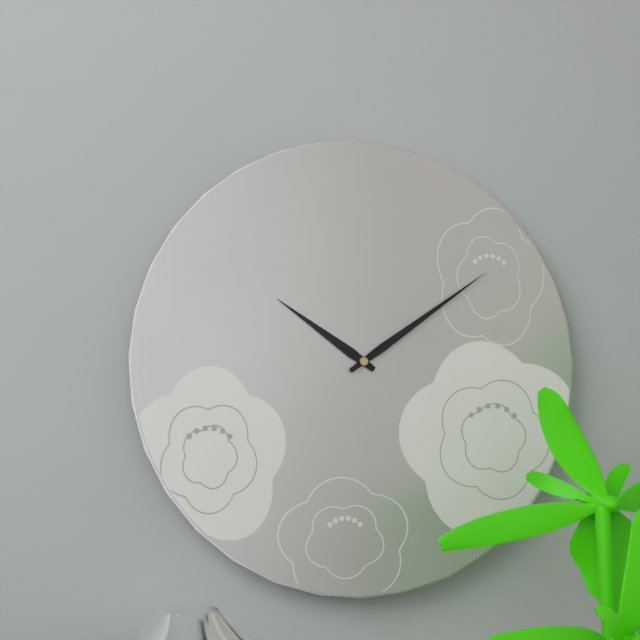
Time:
10.09
